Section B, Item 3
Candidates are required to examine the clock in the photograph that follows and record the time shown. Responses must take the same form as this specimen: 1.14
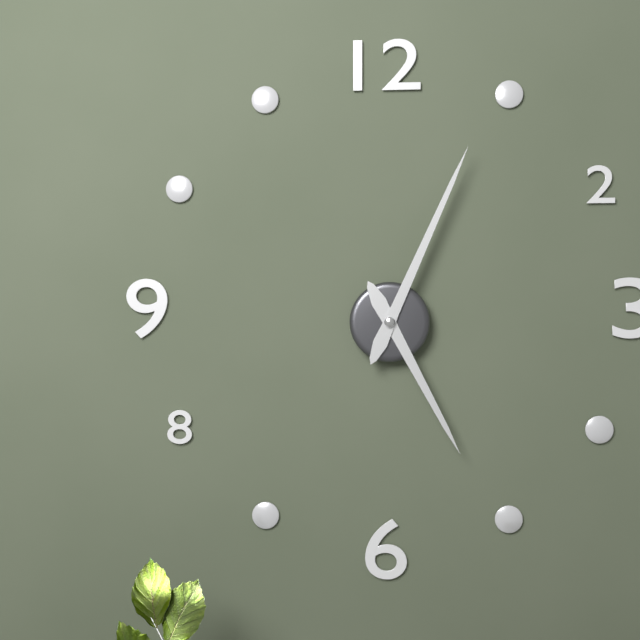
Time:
5.04
